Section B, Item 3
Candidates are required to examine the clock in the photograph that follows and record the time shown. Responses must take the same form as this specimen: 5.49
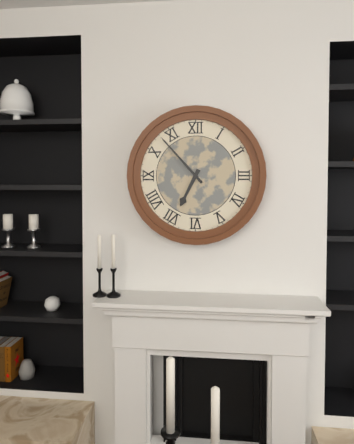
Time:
6.53
